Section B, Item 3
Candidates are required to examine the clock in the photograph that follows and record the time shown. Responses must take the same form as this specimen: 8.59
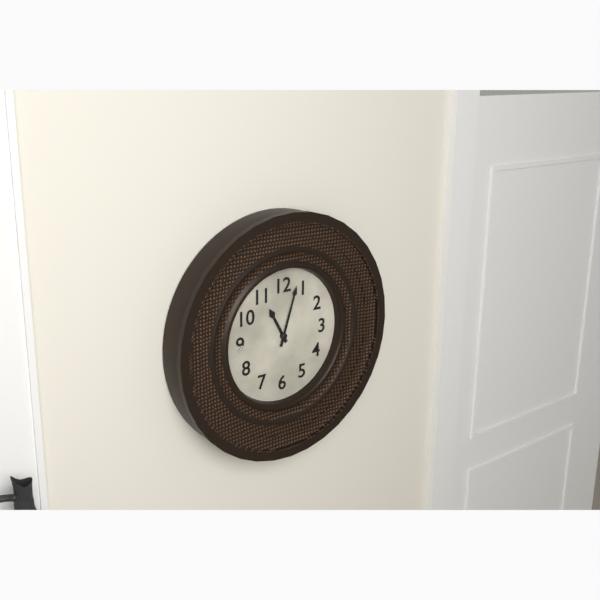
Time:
11.03
